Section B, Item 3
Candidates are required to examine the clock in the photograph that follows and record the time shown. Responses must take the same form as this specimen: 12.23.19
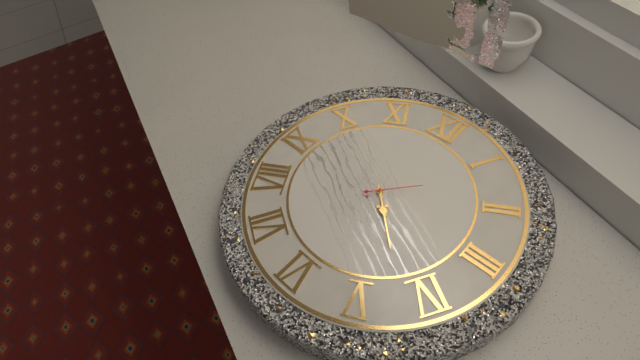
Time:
4.22.07
